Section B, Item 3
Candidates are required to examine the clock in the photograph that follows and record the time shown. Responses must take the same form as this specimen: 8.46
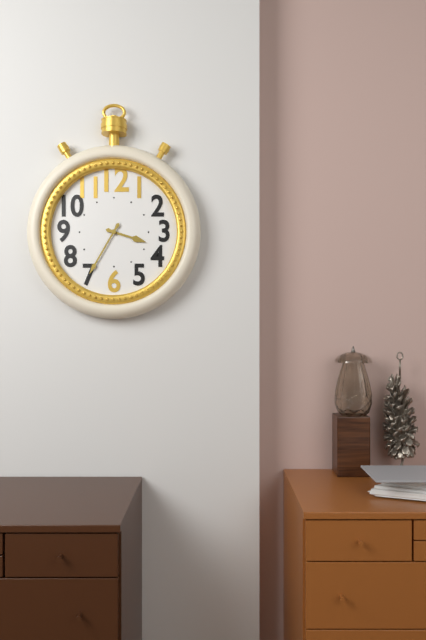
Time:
3.35
